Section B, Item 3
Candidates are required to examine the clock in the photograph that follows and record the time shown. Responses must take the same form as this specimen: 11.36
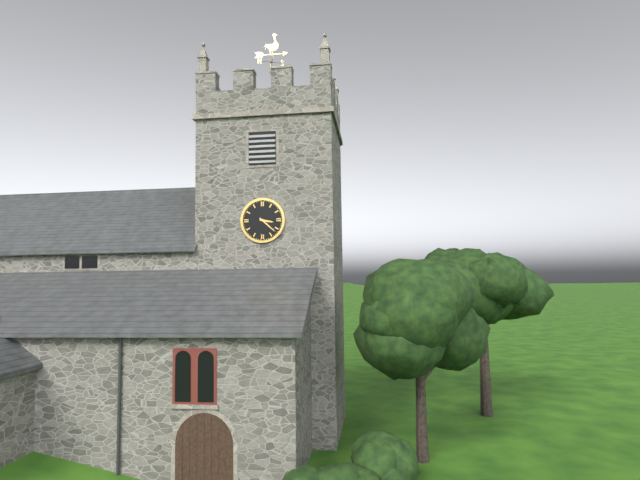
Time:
3.22
